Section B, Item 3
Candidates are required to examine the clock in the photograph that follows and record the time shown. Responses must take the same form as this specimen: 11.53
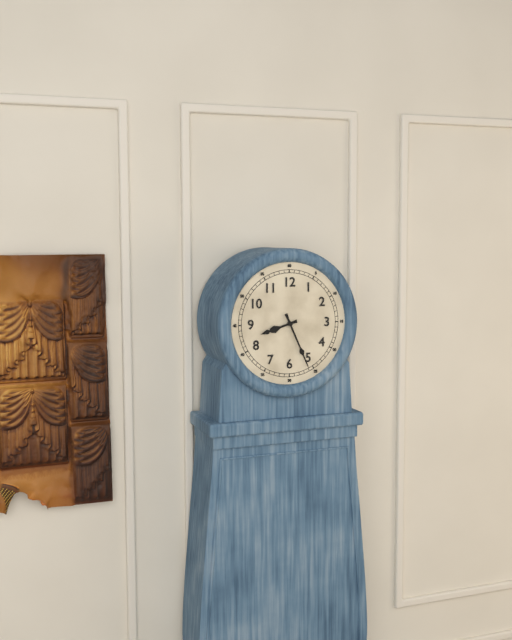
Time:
8.26
